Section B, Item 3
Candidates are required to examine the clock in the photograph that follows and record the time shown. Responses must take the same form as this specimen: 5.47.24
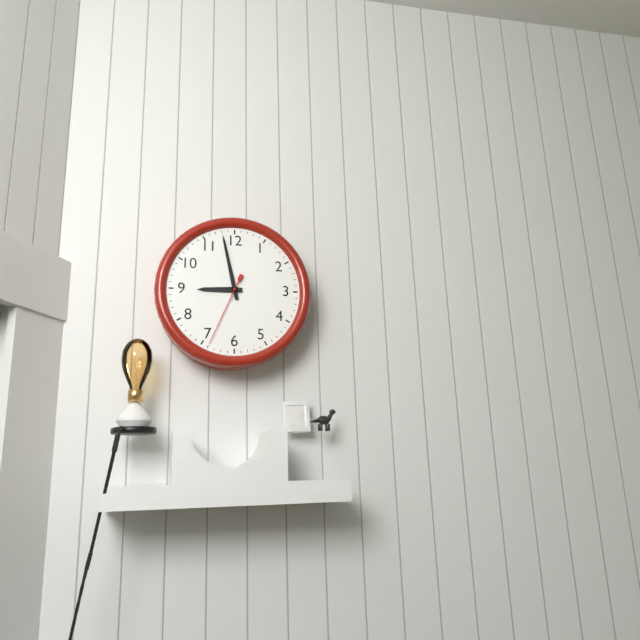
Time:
8.58.34
